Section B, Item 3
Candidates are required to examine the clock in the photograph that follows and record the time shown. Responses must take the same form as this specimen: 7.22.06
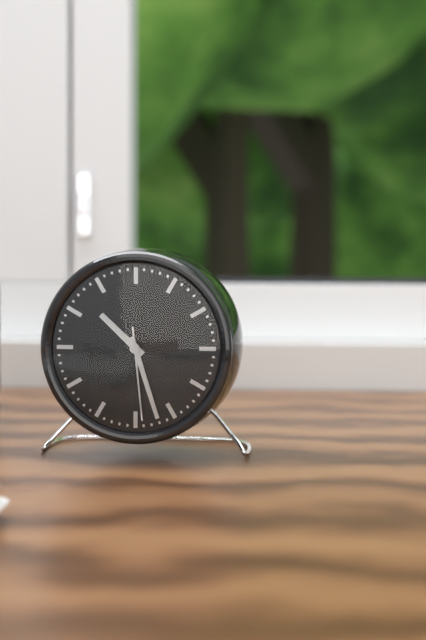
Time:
10.27.29
